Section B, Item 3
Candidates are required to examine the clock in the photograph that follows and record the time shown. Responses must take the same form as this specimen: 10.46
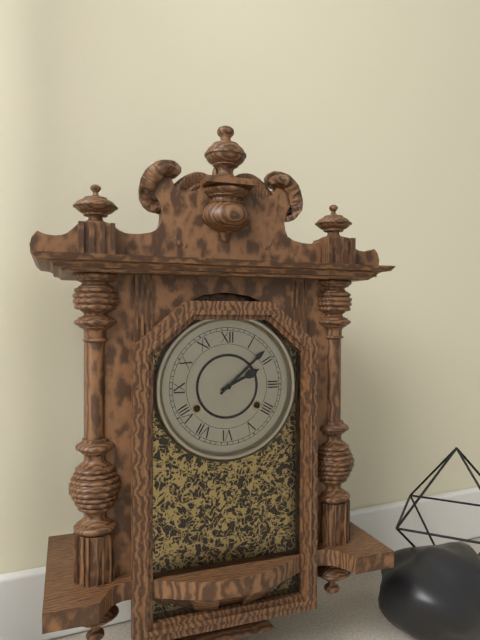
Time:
2.08
